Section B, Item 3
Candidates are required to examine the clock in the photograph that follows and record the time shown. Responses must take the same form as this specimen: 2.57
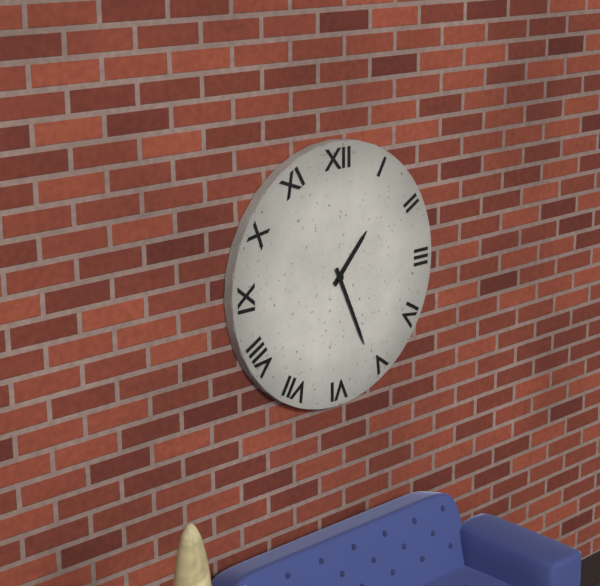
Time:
1.26
